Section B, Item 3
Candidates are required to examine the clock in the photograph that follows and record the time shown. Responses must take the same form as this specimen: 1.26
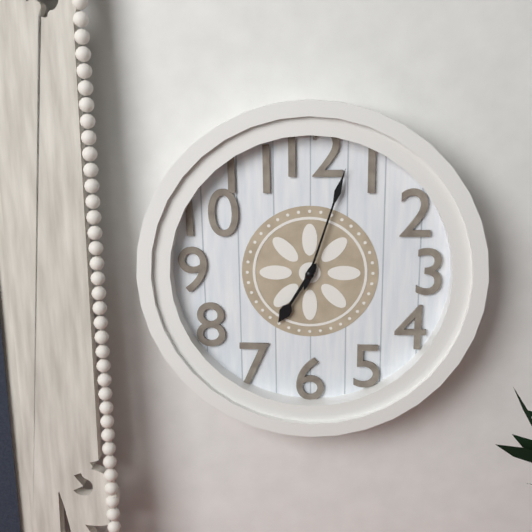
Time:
7.03
